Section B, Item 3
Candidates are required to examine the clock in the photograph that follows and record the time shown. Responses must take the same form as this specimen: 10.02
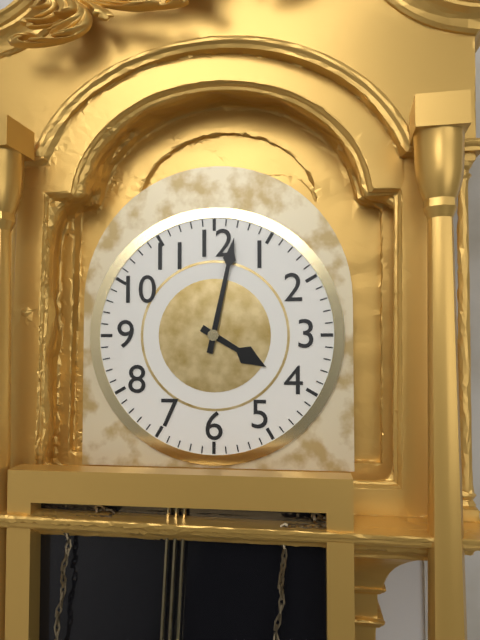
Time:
4.02
